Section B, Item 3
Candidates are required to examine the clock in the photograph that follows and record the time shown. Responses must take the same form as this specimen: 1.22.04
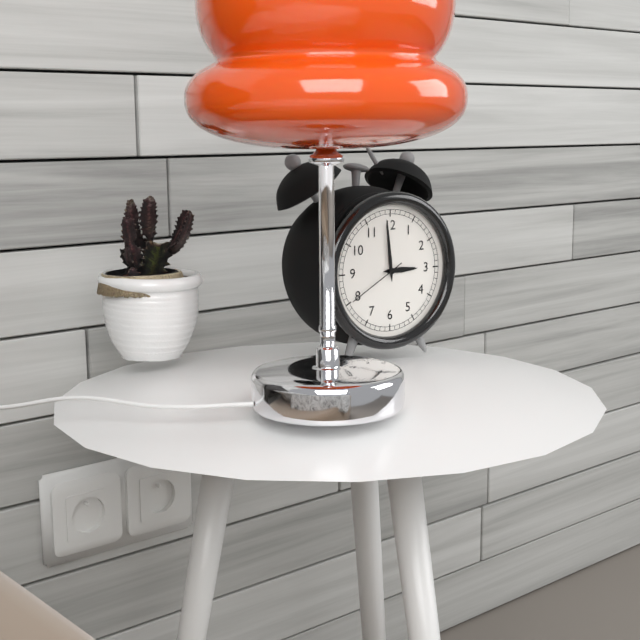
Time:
2.59.40
